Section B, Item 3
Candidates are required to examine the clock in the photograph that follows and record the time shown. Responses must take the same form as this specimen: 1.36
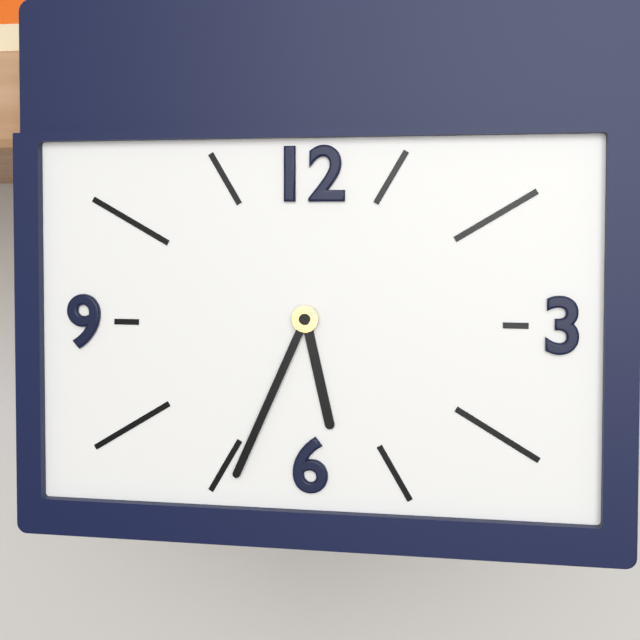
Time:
5.34
